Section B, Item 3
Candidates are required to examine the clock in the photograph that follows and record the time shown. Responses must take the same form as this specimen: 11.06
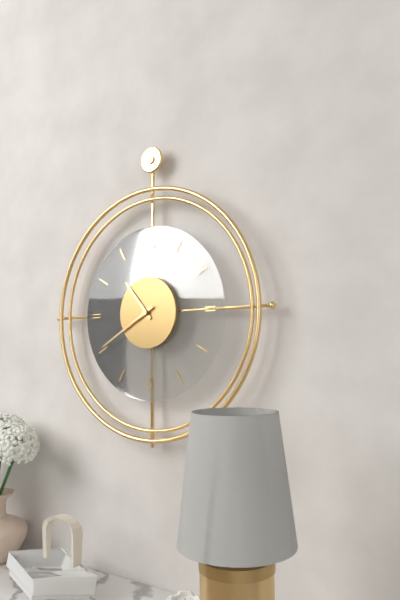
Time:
10.40
